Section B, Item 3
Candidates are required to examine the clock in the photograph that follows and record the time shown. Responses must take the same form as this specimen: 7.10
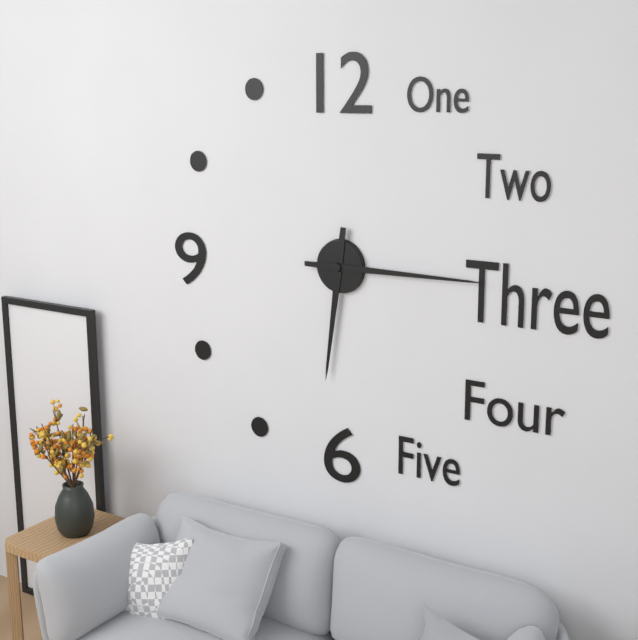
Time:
6.15
